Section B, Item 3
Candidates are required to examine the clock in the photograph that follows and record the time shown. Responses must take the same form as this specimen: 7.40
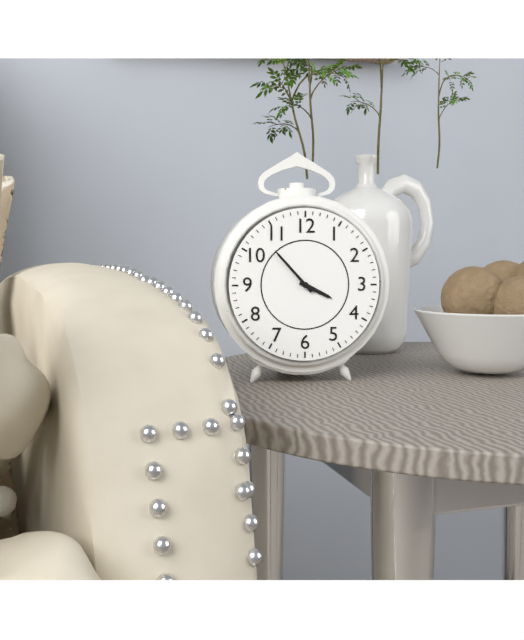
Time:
3.53
